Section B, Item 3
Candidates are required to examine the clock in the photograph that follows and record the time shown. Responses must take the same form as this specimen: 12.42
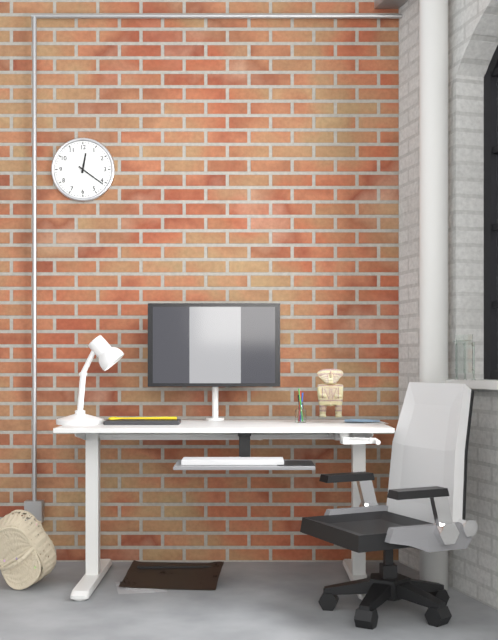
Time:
12.21
